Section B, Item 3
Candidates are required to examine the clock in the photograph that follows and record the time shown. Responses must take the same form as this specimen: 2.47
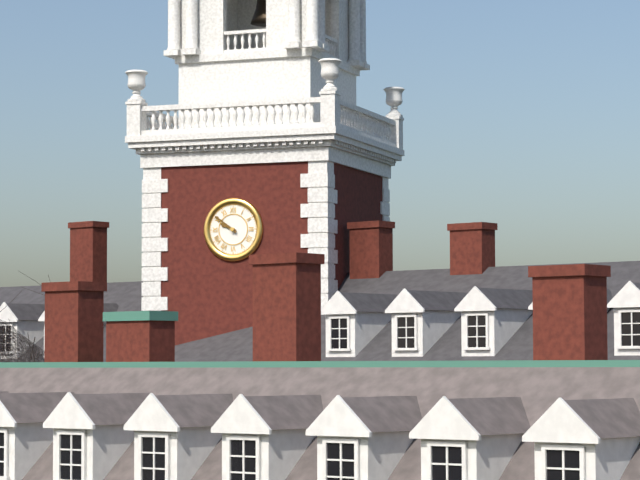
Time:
9.51
